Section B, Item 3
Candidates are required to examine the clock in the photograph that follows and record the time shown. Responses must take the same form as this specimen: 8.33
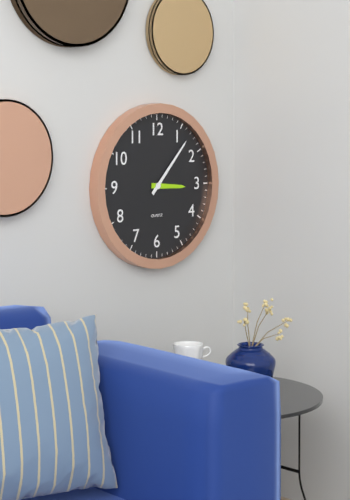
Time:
3.07
